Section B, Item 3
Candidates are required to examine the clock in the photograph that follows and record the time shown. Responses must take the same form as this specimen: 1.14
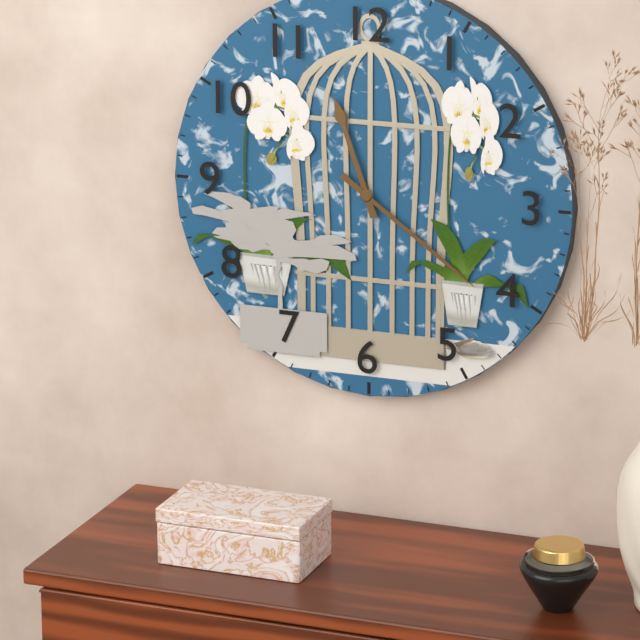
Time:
11.21
